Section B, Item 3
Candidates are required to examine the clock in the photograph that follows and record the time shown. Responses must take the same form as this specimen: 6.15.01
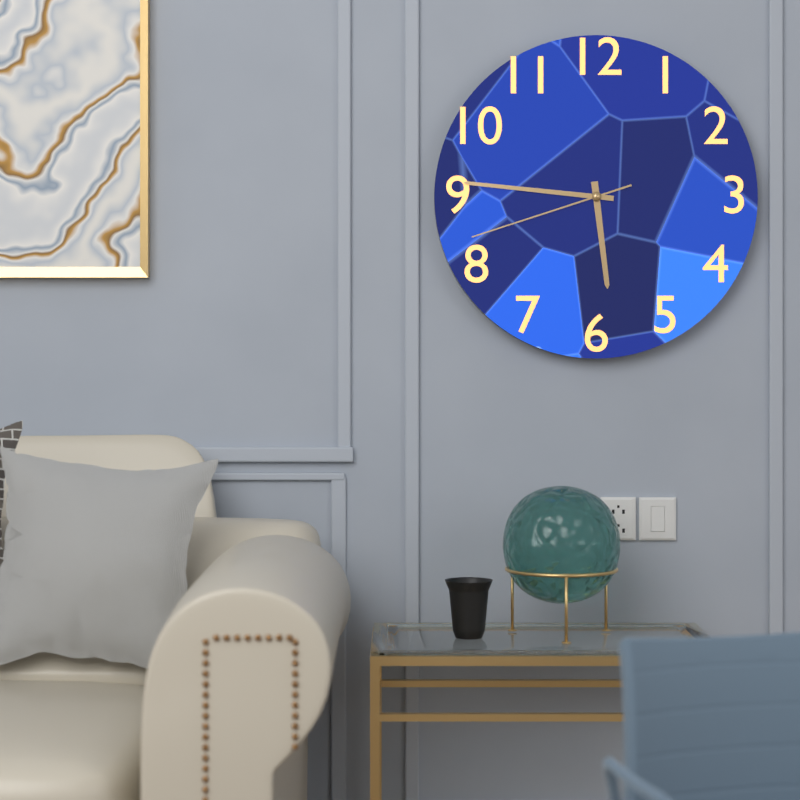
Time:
5.46.42
